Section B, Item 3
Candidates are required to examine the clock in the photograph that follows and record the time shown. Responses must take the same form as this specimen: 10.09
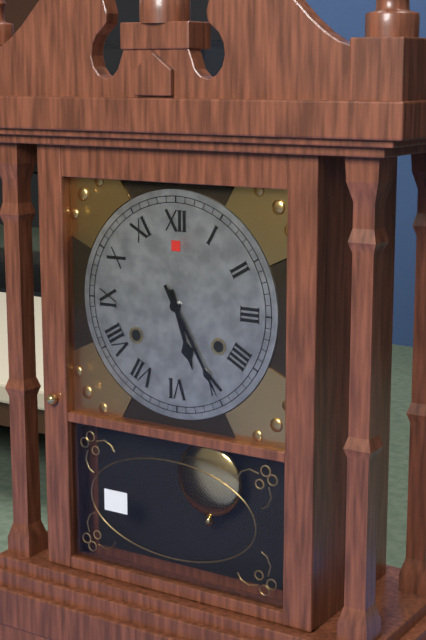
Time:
5.25
